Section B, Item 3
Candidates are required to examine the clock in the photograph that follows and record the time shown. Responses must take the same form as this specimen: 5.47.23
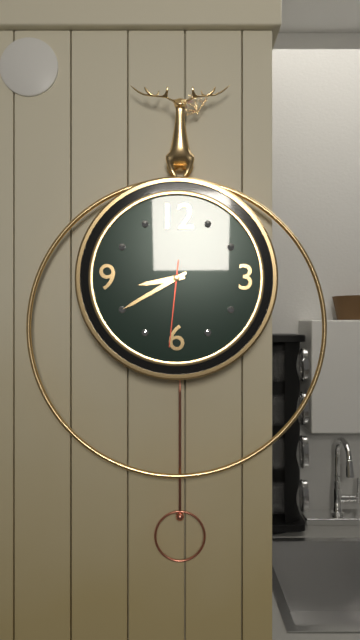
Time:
8.40.31
